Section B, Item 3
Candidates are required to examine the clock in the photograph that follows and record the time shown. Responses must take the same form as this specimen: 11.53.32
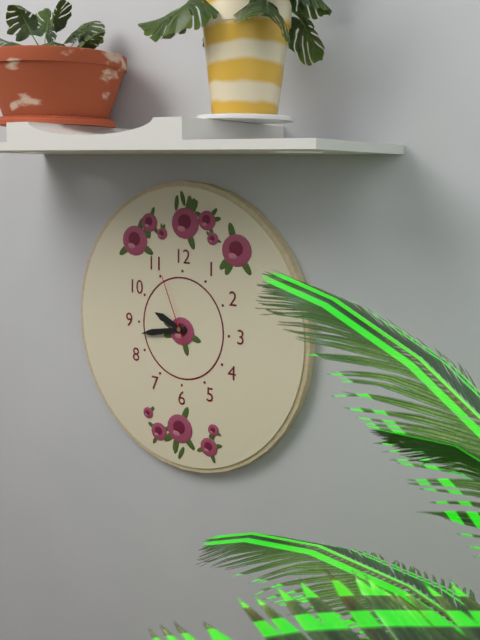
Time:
9.43.56
